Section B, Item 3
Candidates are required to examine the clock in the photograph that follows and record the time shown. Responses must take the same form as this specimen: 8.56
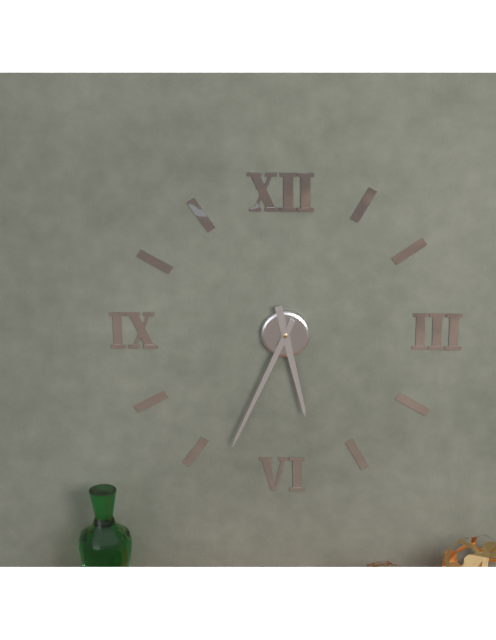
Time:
5.34
